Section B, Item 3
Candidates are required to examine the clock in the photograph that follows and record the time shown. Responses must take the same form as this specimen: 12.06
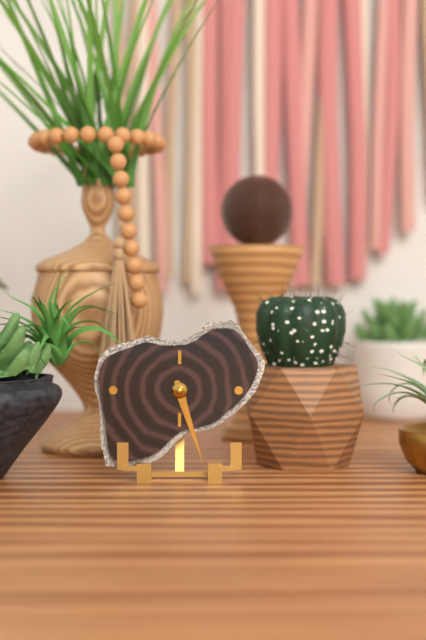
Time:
5.27
